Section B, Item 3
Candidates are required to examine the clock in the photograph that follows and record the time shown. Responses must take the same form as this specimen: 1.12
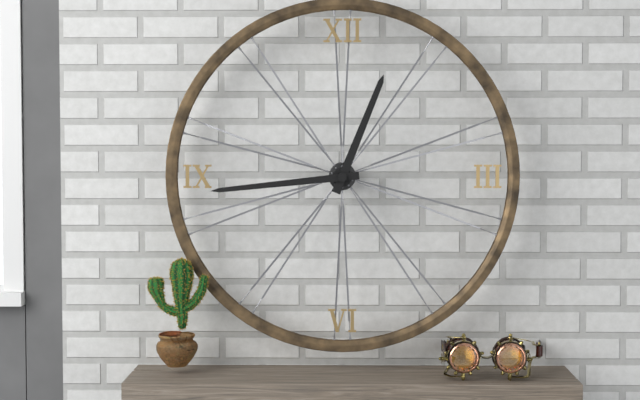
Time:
12.44
